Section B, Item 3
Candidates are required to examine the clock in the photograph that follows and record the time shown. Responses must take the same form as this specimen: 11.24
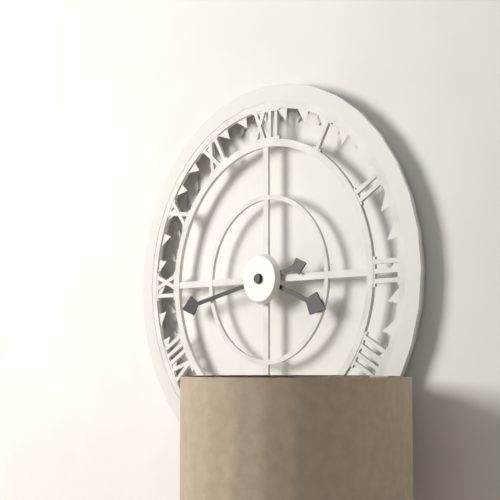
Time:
3.43
